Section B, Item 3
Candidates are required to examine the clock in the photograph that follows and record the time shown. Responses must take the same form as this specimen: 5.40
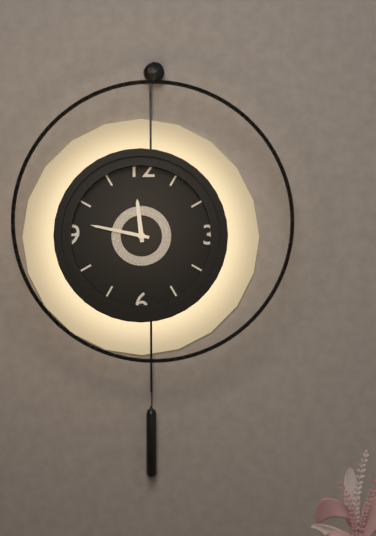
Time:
11.47
